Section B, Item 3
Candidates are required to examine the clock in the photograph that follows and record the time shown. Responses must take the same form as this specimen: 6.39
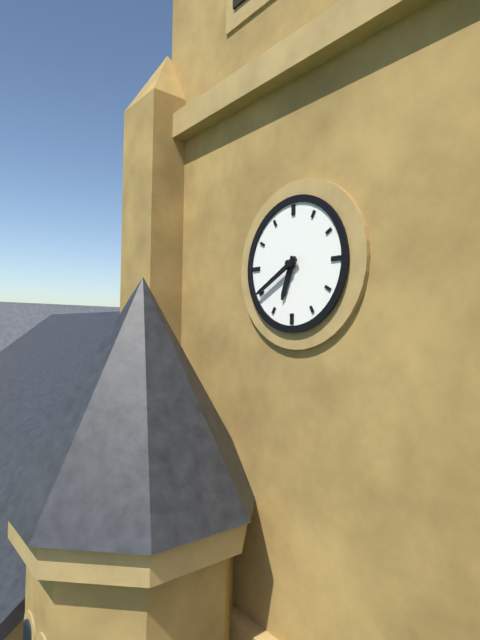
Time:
6.40
